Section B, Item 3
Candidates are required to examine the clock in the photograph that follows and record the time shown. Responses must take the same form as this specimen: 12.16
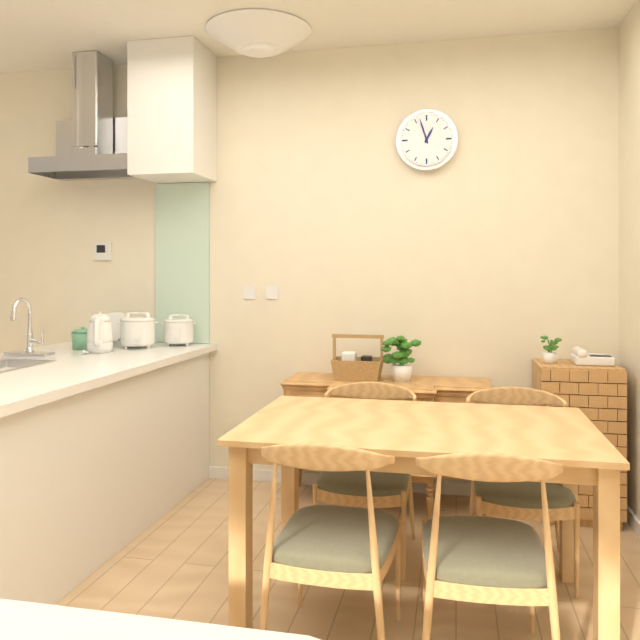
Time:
12.57
